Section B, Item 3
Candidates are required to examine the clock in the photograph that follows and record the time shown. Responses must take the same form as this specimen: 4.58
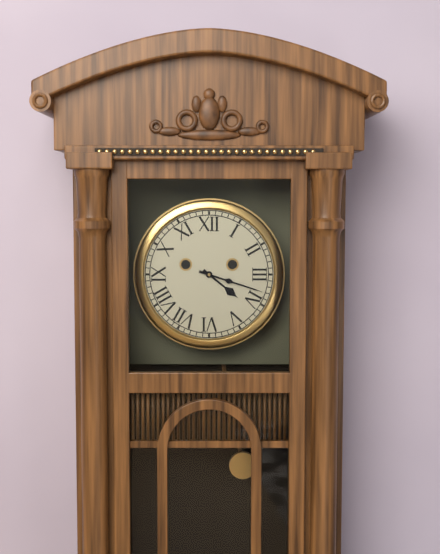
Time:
4.18
